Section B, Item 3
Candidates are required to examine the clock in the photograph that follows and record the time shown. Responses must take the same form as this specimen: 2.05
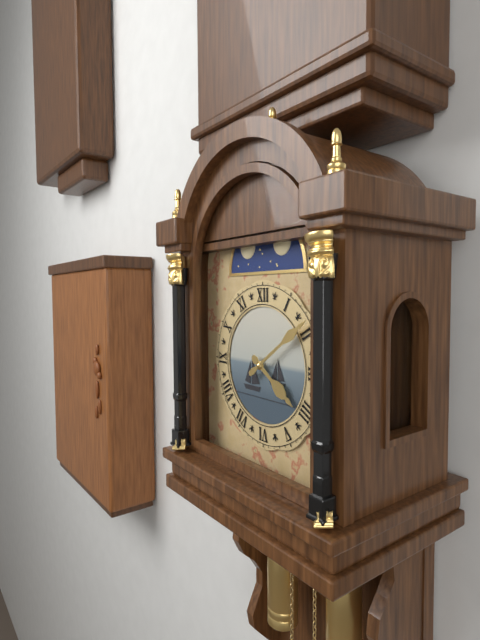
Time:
4.09
